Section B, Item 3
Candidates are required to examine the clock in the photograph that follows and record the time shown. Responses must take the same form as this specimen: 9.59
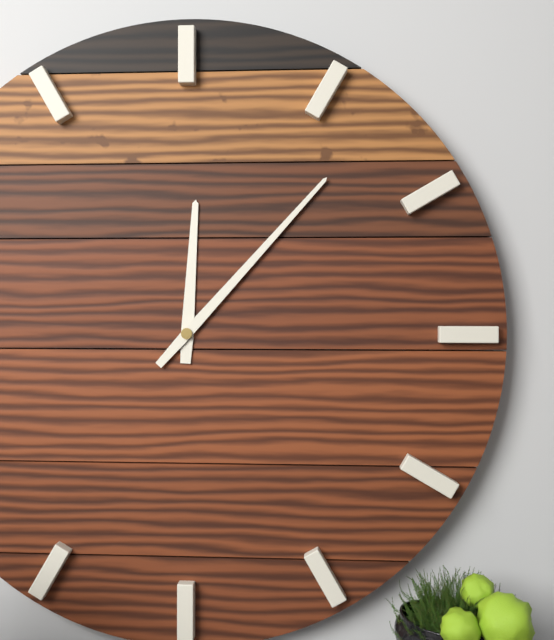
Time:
12.07
